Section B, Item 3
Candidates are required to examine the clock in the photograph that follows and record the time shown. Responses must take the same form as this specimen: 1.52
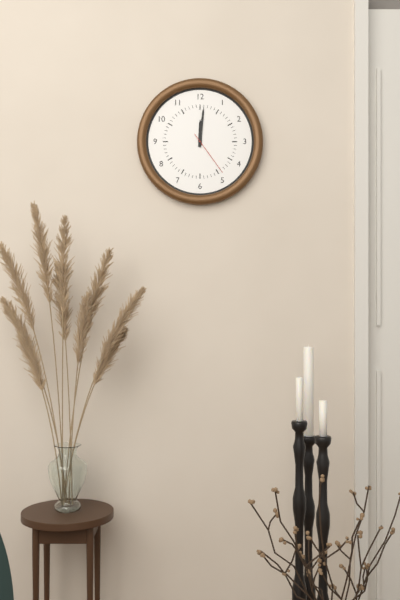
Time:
12.01
